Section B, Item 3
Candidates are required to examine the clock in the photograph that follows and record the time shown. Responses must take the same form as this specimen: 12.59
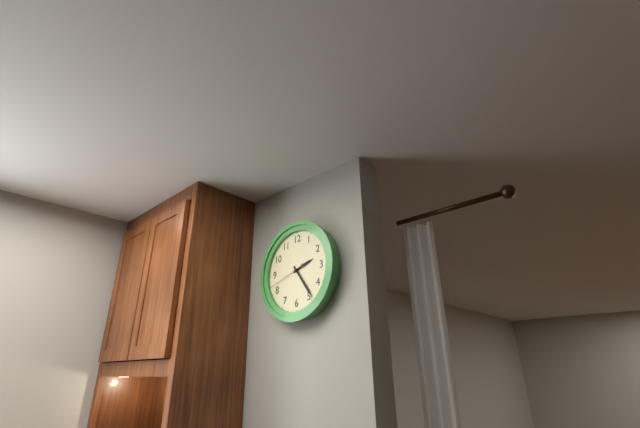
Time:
2.24
